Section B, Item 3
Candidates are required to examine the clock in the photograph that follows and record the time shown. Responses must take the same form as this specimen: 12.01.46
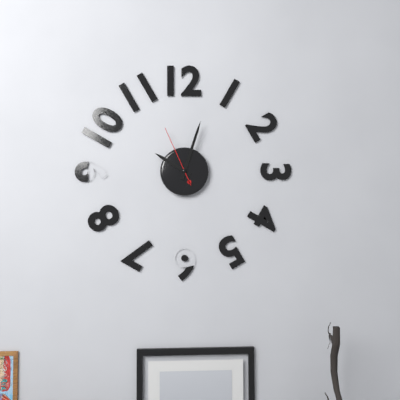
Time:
10.03.56
